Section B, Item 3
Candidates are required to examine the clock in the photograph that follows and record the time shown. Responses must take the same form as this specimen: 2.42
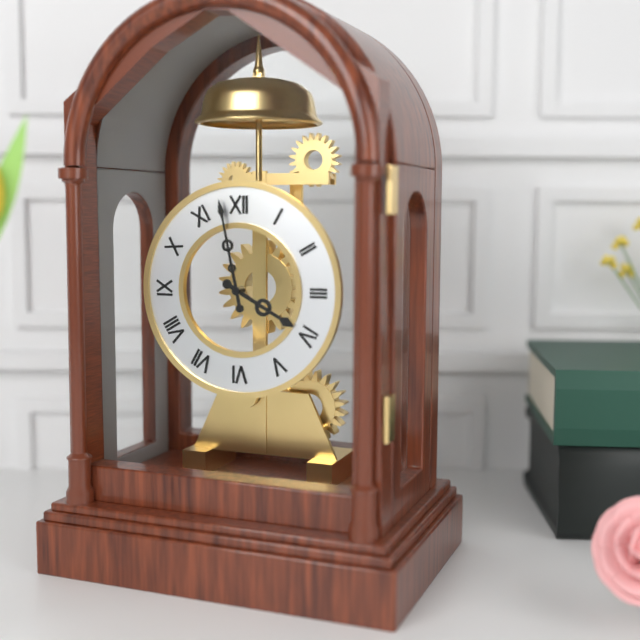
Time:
3.58
